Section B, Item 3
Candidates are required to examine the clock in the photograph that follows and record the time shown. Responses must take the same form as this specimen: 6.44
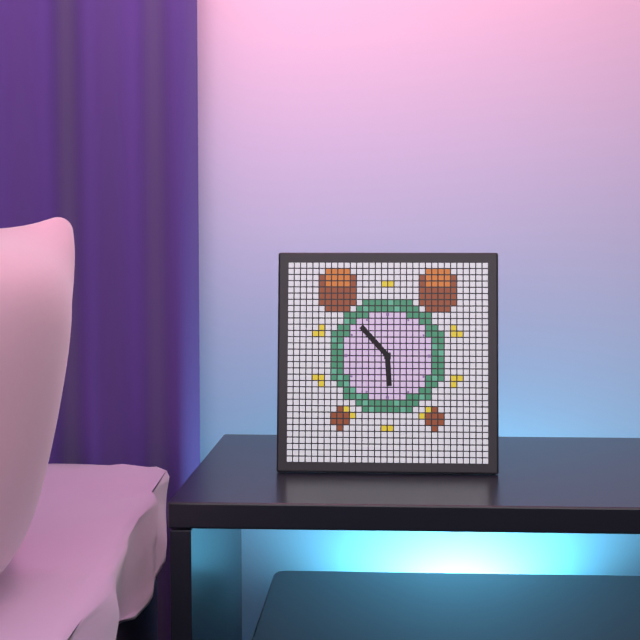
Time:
5.53
